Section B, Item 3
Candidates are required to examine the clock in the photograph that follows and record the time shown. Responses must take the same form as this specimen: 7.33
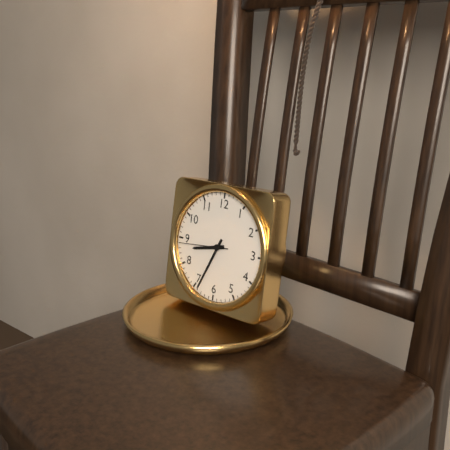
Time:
8.34
